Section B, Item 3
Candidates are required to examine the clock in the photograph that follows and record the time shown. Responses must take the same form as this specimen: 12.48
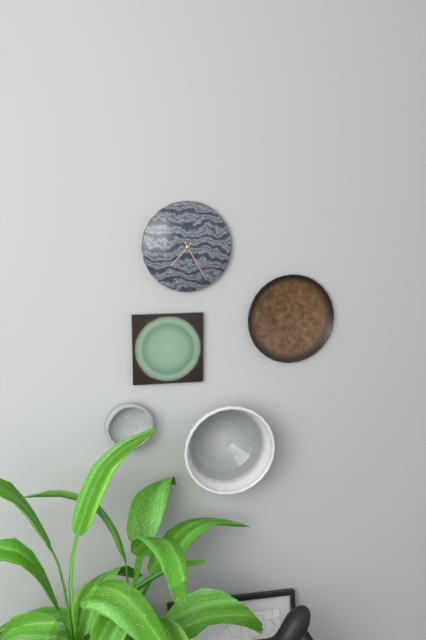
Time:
7.25
